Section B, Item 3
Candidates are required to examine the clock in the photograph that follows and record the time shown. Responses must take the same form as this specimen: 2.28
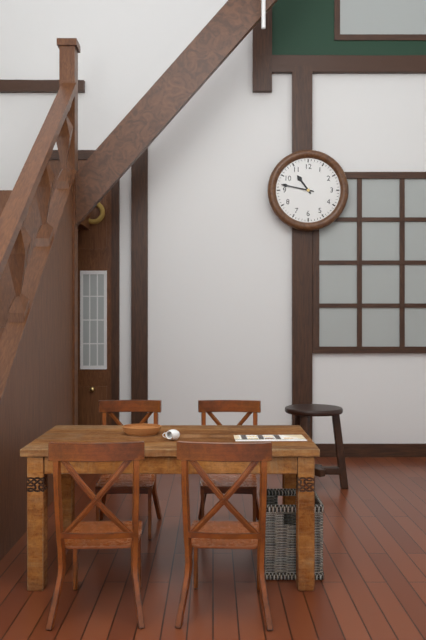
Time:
10.47
